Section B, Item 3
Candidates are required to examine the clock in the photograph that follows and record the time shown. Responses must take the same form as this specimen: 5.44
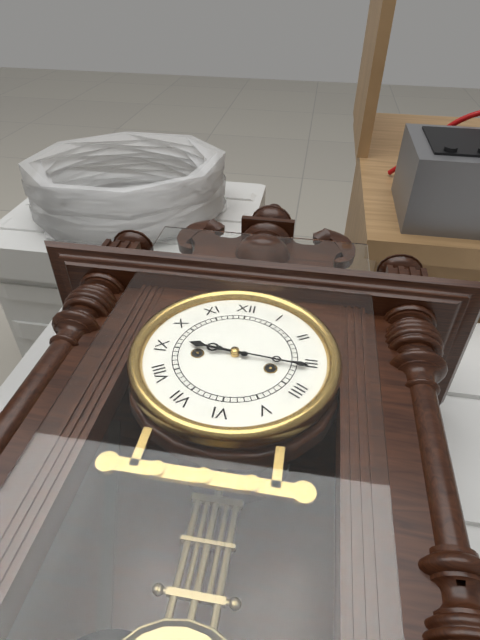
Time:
9.16
